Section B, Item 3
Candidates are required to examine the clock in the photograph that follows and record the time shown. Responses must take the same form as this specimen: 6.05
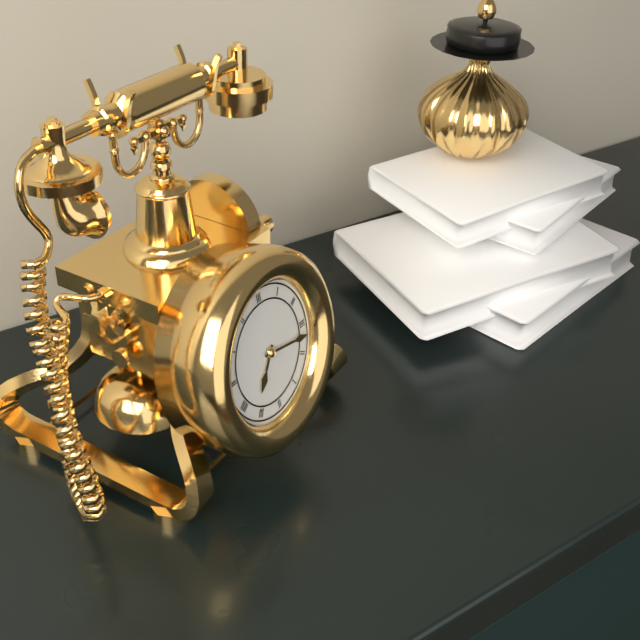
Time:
7.17
